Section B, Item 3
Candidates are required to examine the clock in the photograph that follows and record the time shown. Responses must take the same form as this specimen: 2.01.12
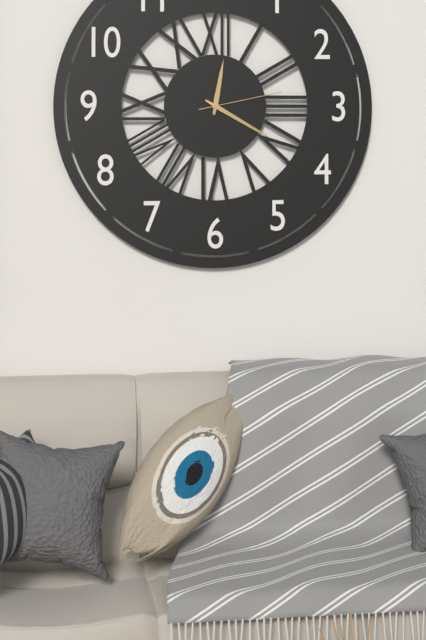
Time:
12.20.13
